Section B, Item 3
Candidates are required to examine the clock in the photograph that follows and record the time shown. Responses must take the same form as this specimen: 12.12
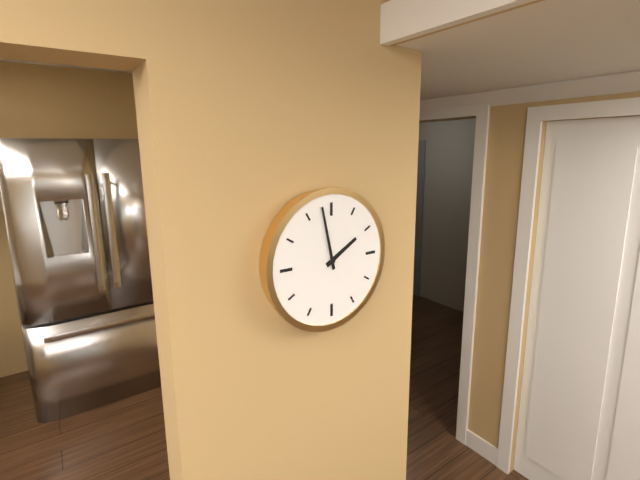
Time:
1.58
